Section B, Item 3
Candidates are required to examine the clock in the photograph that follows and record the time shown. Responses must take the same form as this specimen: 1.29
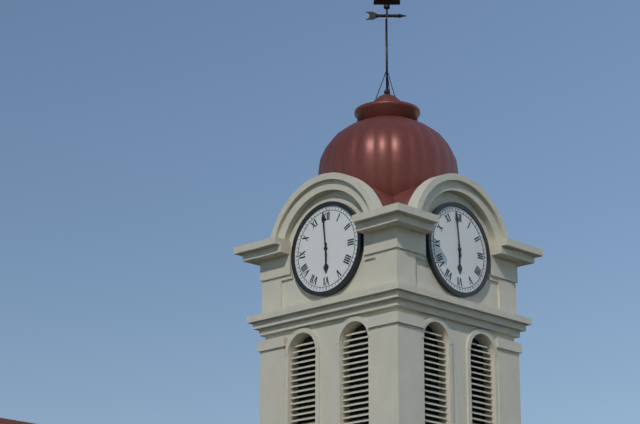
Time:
5.59
